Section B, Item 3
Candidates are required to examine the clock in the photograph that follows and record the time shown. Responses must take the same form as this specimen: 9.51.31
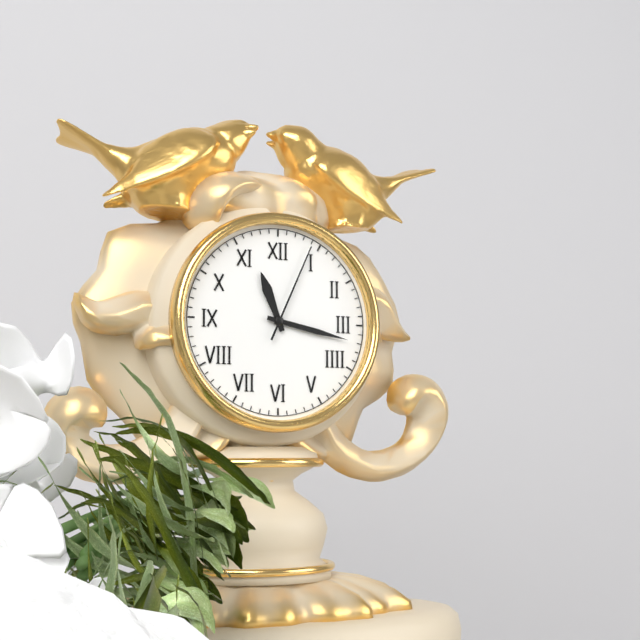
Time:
11.17.04
